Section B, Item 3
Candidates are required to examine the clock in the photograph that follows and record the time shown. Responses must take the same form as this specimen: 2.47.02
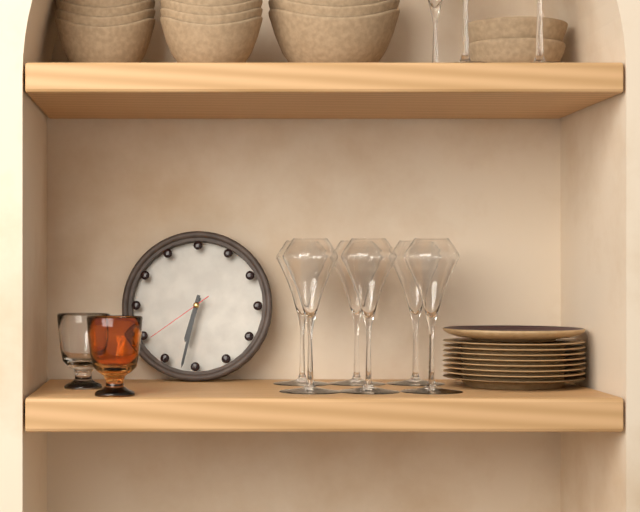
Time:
6.32.39
